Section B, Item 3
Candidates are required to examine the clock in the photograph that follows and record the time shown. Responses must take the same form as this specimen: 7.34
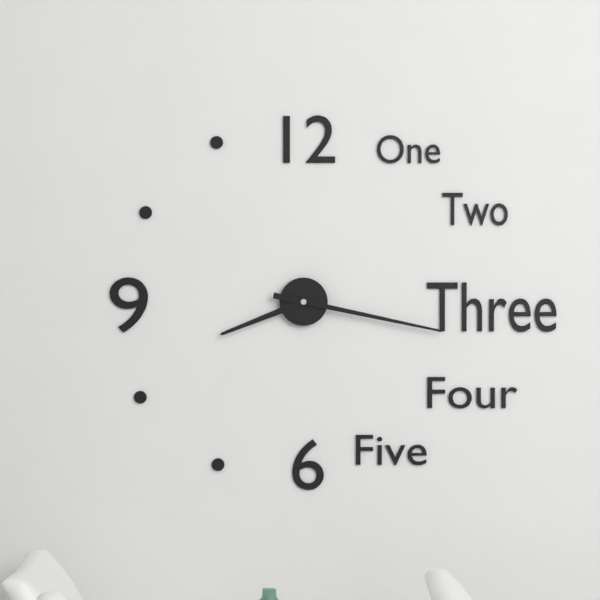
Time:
8.17
